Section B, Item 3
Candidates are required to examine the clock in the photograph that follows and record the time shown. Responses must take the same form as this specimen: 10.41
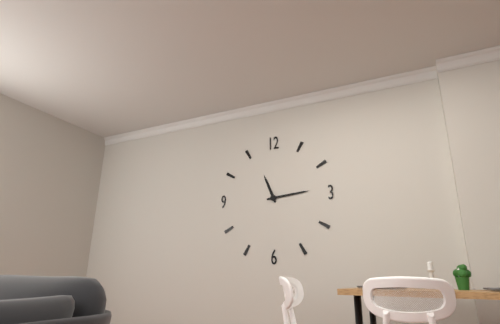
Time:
11.14
